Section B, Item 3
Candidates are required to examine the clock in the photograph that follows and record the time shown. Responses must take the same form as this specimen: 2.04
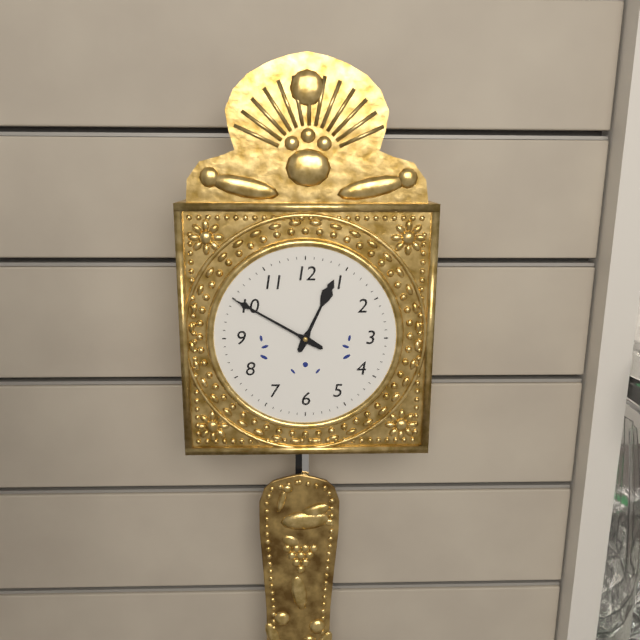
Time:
12.50
